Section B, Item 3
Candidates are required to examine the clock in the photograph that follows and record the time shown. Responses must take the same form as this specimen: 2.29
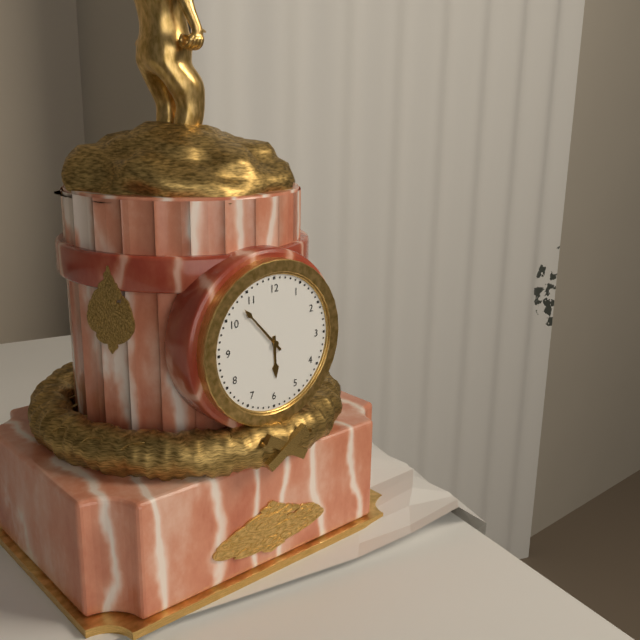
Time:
5.53
